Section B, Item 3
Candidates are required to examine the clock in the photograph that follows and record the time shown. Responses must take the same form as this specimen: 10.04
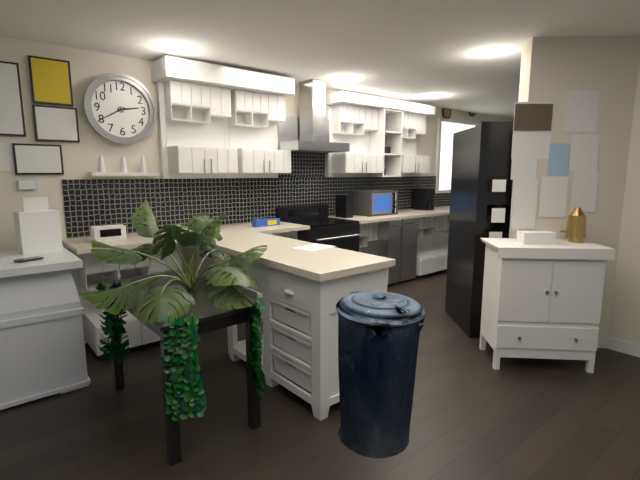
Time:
2.40
